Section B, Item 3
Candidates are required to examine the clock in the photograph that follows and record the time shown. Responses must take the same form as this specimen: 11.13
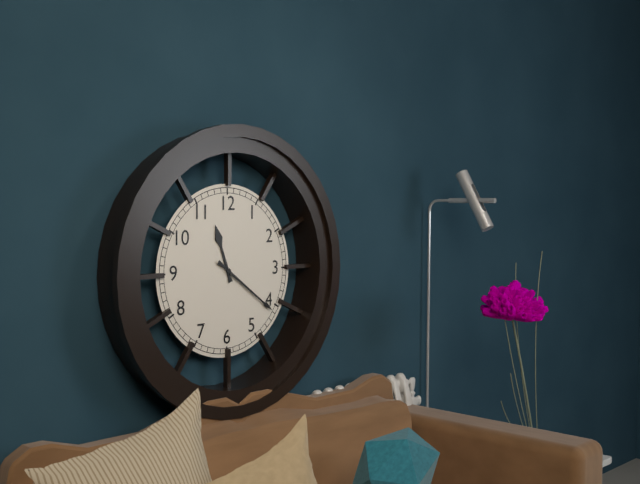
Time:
11.21
